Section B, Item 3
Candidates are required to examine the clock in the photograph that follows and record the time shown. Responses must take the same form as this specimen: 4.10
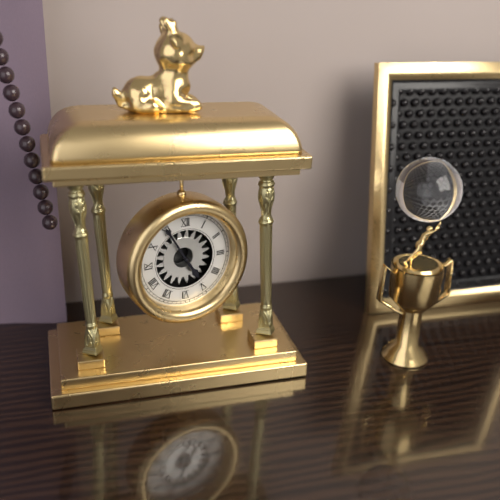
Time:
4.55
